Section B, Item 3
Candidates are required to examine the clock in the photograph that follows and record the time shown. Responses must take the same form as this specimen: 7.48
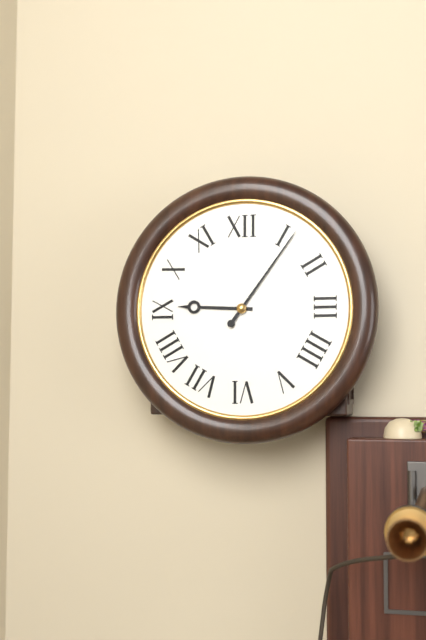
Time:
9.06
